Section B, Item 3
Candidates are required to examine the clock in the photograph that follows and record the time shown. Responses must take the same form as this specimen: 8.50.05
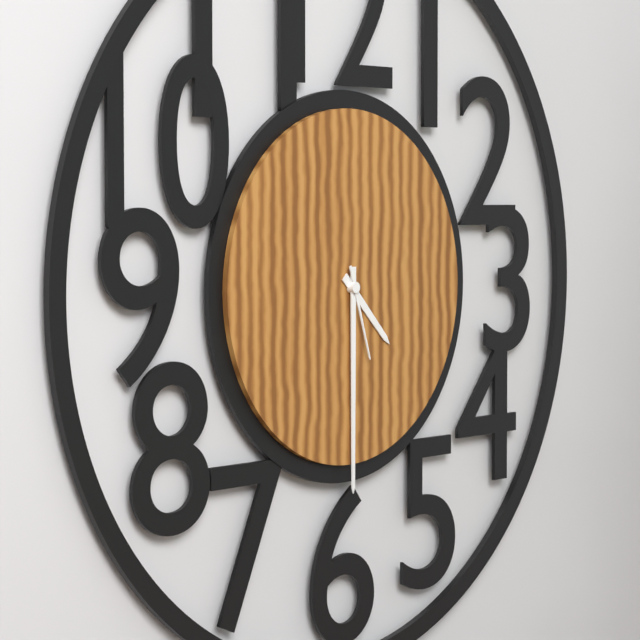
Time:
4.30.27
